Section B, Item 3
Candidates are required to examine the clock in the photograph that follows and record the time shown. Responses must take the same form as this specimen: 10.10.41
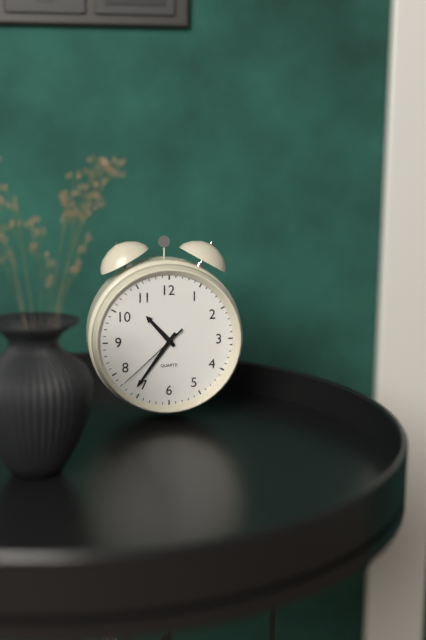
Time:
10.36.38
